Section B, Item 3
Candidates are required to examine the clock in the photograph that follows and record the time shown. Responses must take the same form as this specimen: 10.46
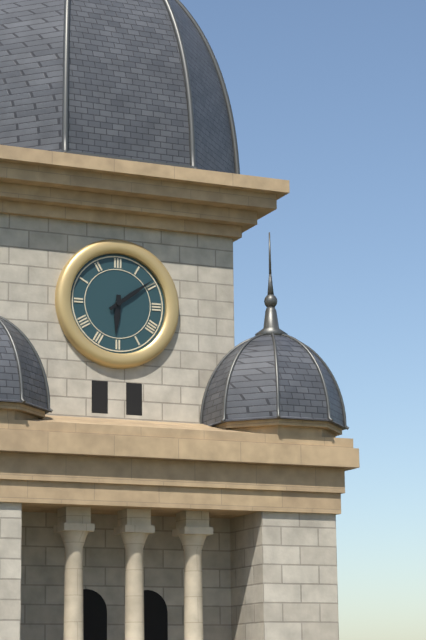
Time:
6.09
